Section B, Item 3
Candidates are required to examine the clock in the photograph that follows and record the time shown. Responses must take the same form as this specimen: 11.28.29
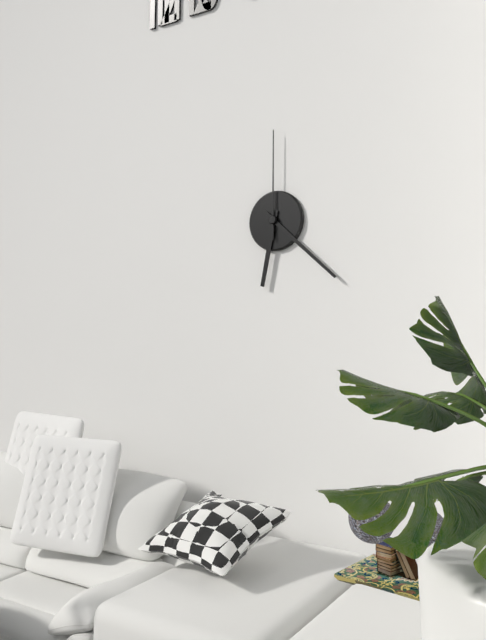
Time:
6.22.00
